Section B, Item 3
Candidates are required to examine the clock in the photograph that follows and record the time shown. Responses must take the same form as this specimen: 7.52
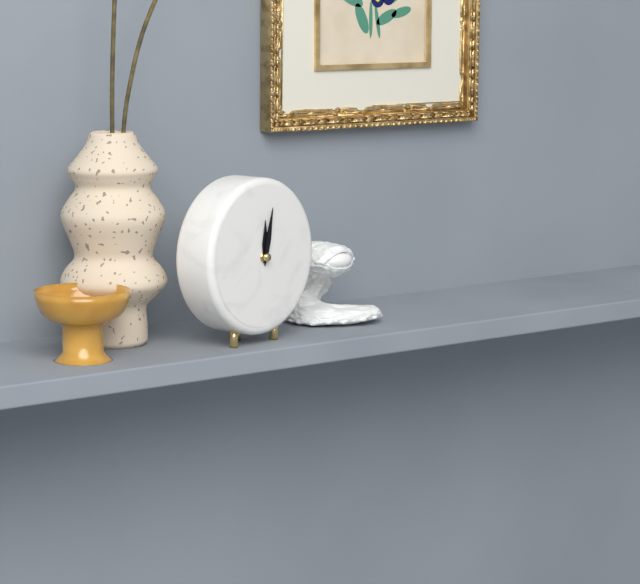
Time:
12.02
